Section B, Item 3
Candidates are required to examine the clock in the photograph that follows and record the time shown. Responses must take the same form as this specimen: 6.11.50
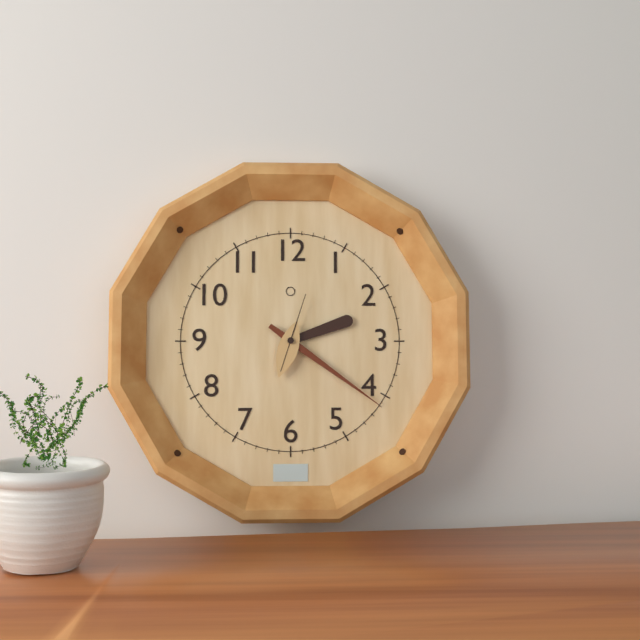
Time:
2.21.03
